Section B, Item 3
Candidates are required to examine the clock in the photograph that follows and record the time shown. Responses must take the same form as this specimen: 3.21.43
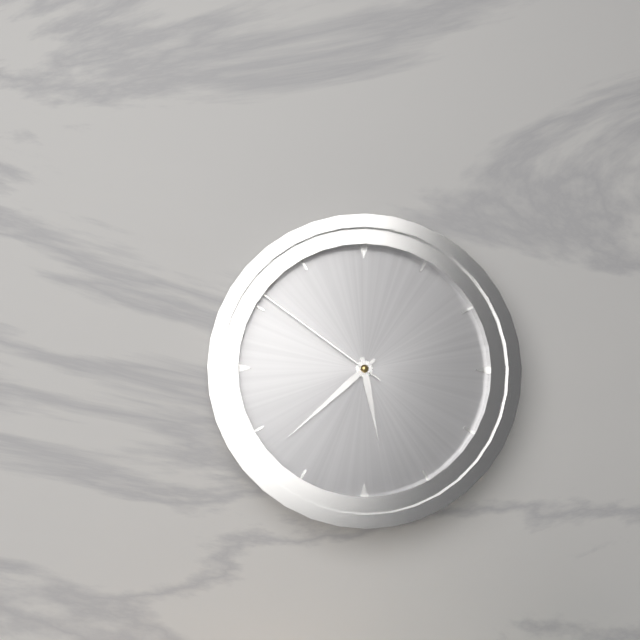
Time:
5.38.51
